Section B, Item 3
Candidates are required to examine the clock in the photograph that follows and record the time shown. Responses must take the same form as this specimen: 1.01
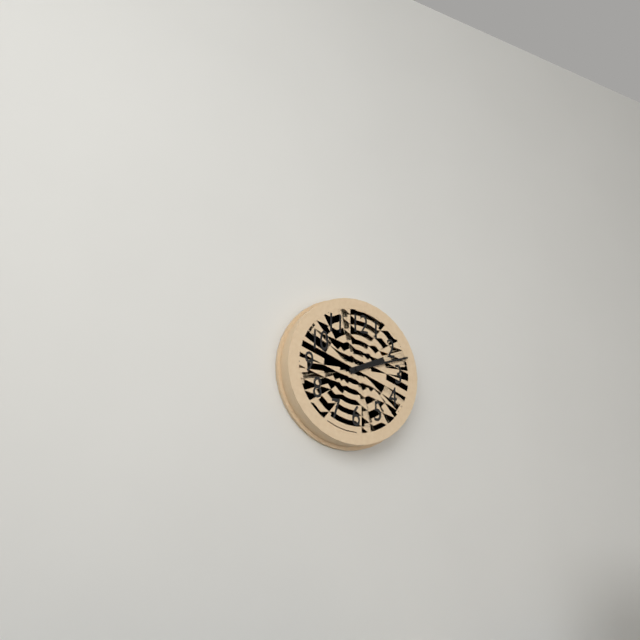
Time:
2.12
